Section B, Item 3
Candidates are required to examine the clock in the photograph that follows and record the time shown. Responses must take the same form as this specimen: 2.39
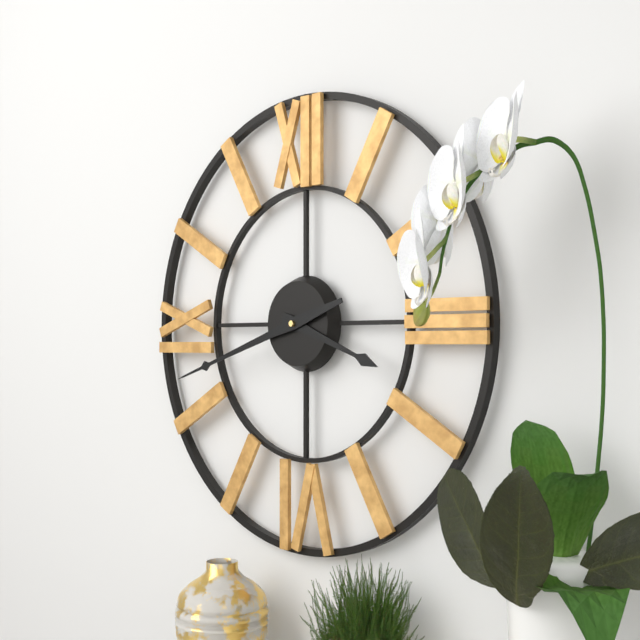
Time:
3.42
